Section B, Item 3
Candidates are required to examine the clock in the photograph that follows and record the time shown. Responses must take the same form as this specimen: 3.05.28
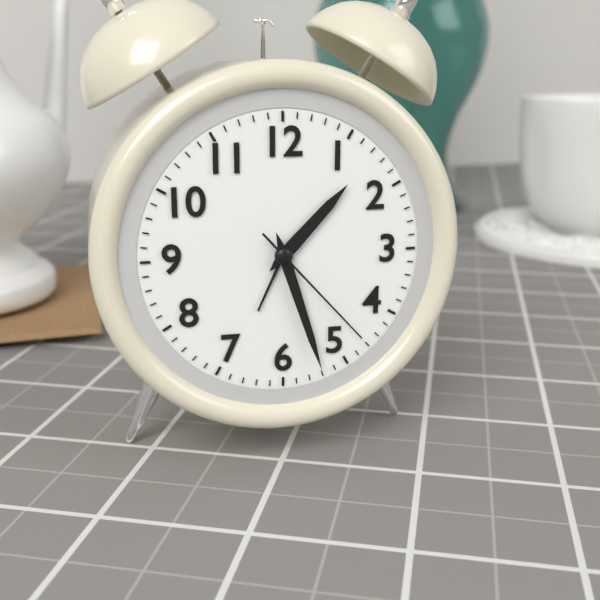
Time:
1.27.23
